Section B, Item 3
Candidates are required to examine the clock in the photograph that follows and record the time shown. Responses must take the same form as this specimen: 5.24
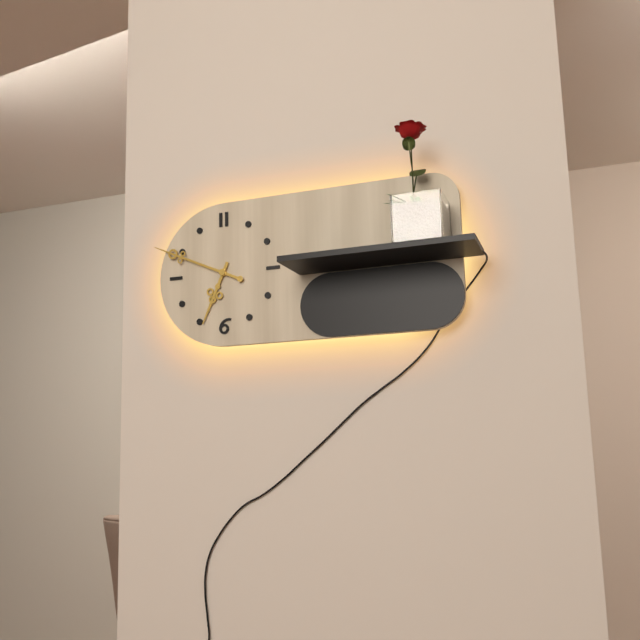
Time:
6.49
